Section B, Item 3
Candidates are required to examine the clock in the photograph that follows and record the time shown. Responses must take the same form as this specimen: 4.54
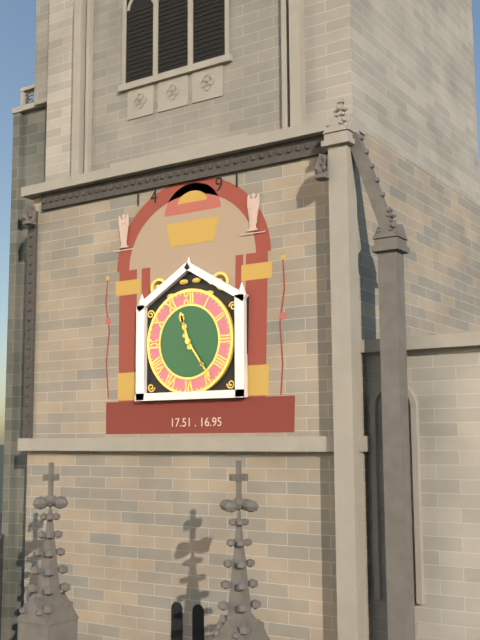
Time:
11.24
